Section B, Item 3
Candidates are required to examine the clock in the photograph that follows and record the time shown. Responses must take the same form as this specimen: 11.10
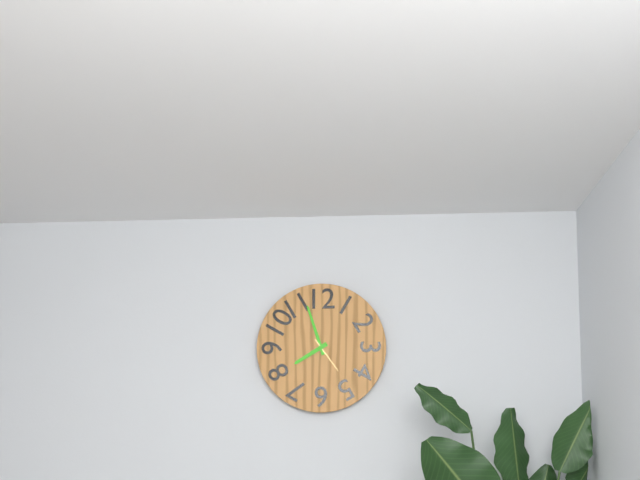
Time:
7.57
